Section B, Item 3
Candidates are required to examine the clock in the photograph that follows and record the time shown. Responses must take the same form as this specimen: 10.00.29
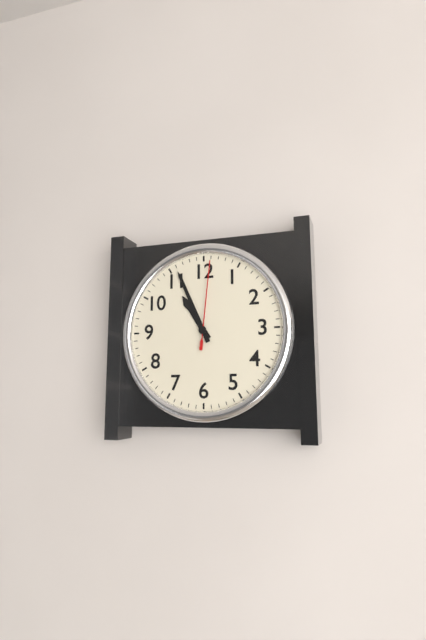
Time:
10.56.01
